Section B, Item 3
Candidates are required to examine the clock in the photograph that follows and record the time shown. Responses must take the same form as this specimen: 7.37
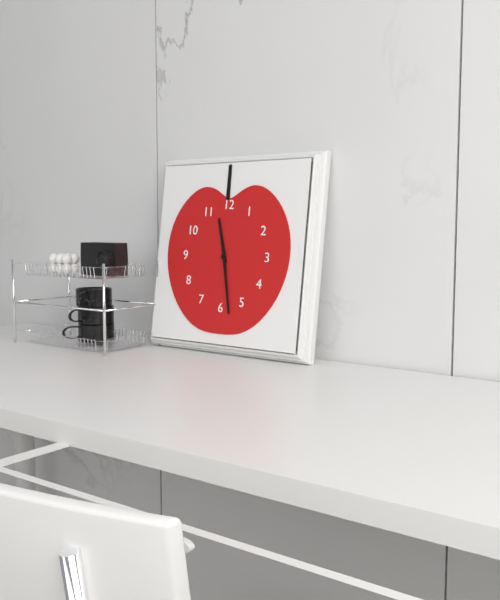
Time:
11.28
